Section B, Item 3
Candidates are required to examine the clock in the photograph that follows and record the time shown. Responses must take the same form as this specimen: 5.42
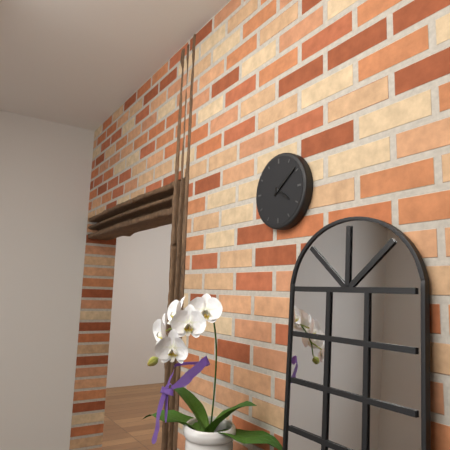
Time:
4.09
